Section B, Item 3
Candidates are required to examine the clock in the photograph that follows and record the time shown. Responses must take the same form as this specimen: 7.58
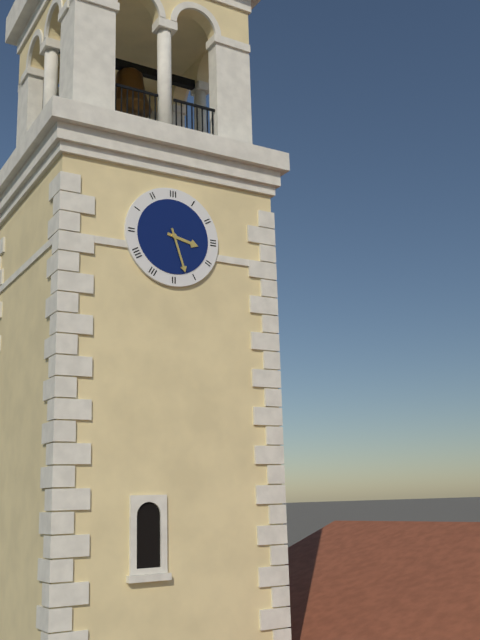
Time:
3.27
